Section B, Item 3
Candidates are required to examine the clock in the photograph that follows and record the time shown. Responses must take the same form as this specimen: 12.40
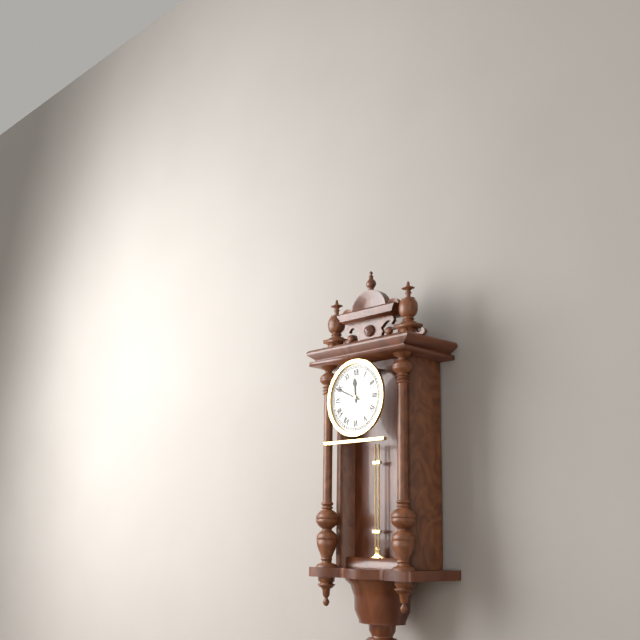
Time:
11.49
